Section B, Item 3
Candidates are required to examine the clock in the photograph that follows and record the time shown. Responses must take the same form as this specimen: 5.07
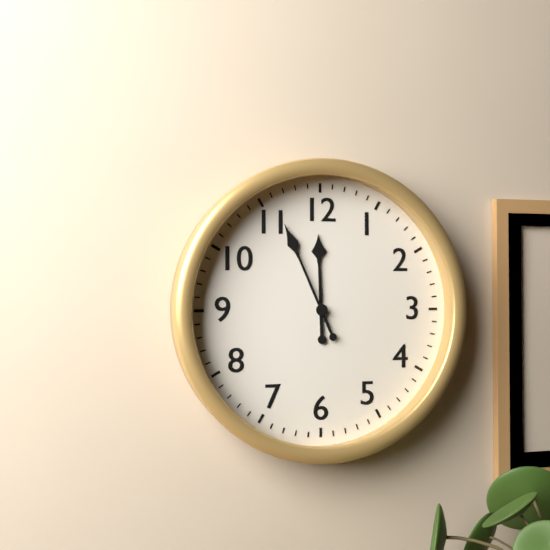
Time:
11.56
